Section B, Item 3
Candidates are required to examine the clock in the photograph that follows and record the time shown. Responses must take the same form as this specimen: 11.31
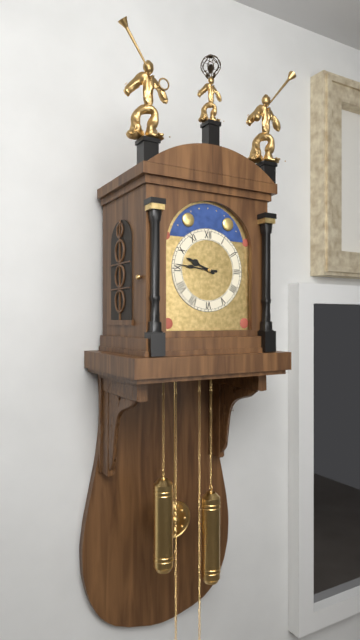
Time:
9.46
